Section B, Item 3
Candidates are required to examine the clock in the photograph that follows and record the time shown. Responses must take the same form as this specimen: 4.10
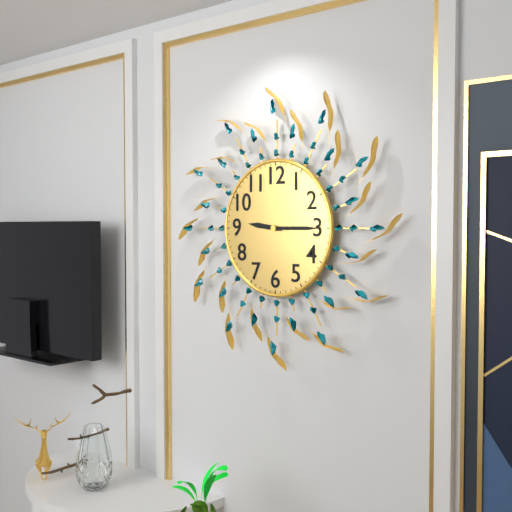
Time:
9.15
